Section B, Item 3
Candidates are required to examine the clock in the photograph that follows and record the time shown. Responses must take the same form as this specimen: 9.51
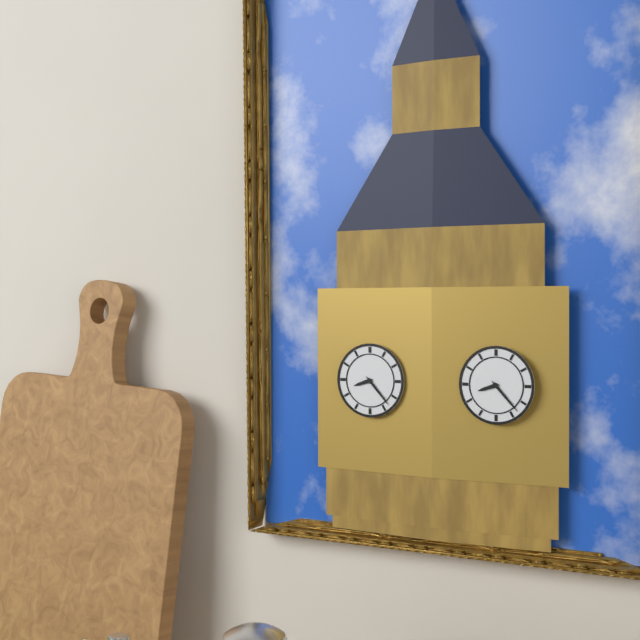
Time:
8.23
